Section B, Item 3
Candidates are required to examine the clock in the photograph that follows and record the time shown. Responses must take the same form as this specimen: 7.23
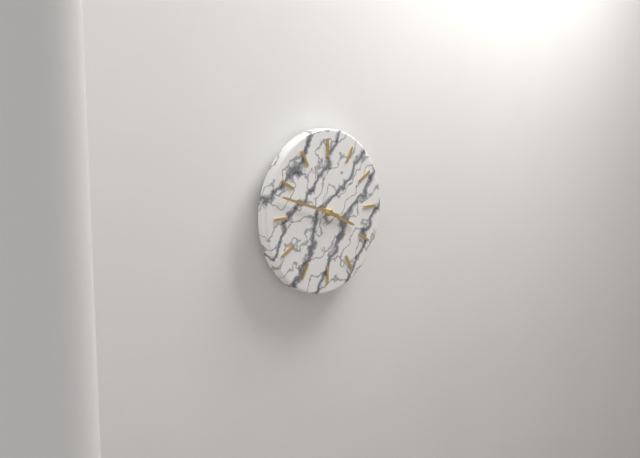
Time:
3.48
